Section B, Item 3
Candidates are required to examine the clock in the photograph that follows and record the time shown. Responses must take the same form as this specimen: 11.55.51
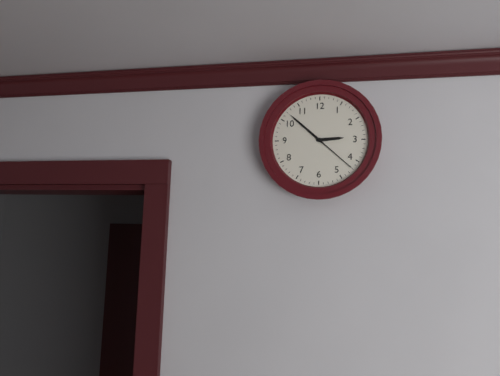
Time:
2.52.22
